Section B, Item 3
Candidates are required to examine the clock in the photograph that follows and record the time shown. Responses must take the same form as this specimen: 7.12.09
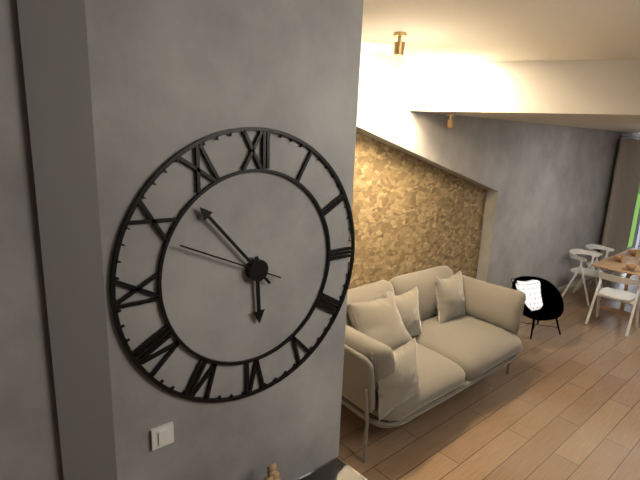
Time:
5.53.49
